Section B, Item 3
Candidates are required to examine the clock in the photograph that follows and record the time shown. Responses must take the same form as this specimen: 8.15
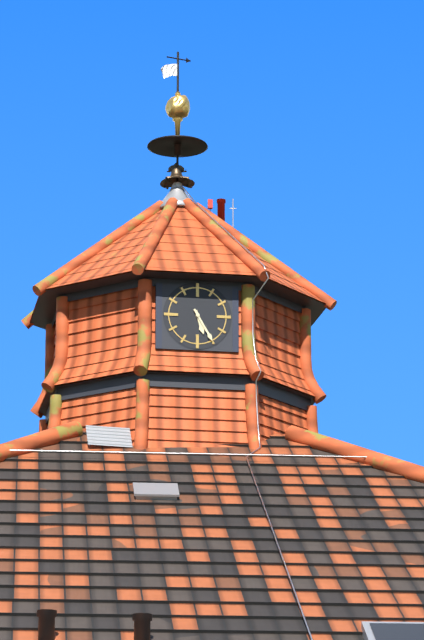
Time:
5.25
